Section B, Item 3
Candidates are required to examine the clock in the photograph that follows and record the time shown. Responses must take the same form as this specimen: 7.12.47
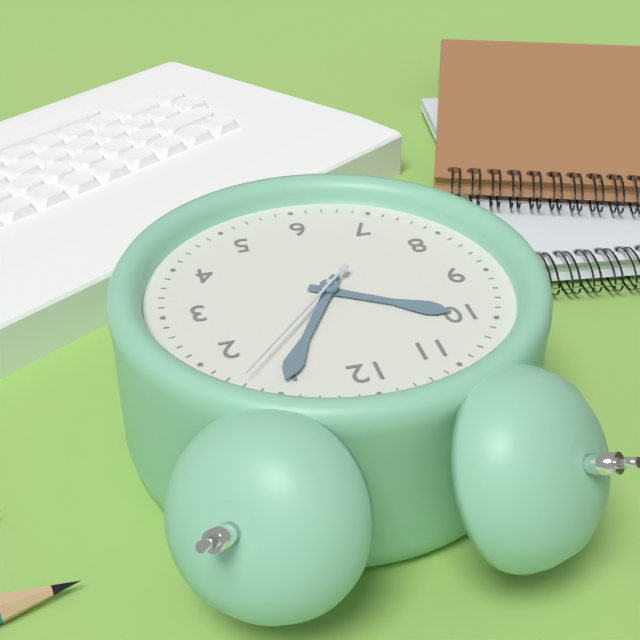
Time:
10.05.07
